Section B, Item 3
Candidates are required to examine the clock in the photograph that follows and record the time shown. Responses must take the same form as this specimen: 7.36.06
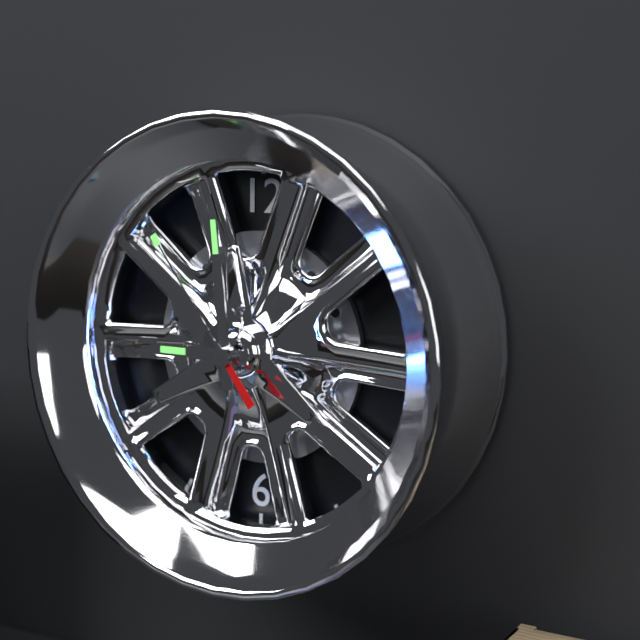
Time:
8.59.54
